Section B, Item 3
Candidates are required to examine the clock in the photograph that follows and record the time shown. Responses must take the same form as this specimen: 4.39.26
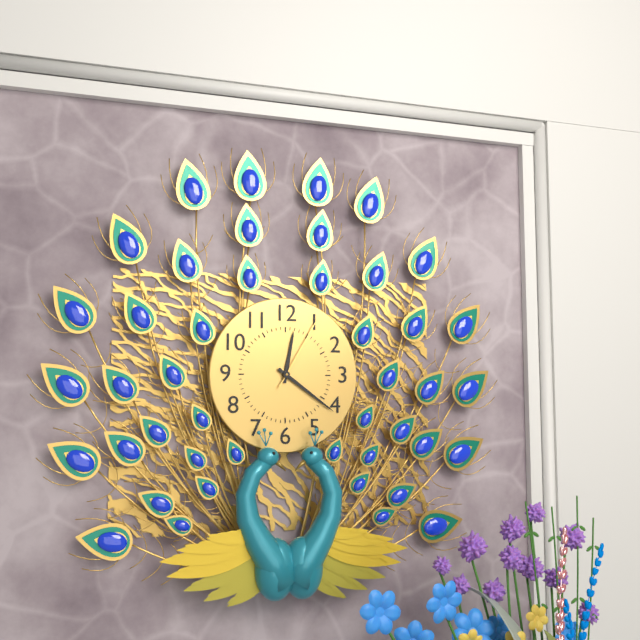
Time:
12.21.05
